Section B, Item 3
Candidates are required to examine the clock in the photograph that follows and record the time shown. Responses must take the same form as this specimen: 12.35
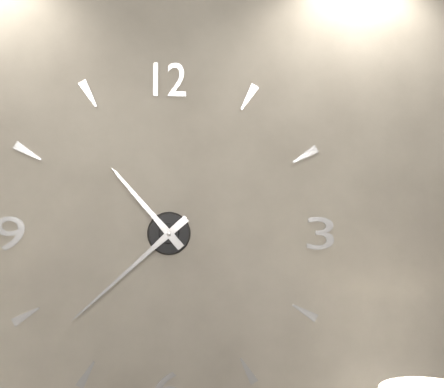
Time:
10.38
